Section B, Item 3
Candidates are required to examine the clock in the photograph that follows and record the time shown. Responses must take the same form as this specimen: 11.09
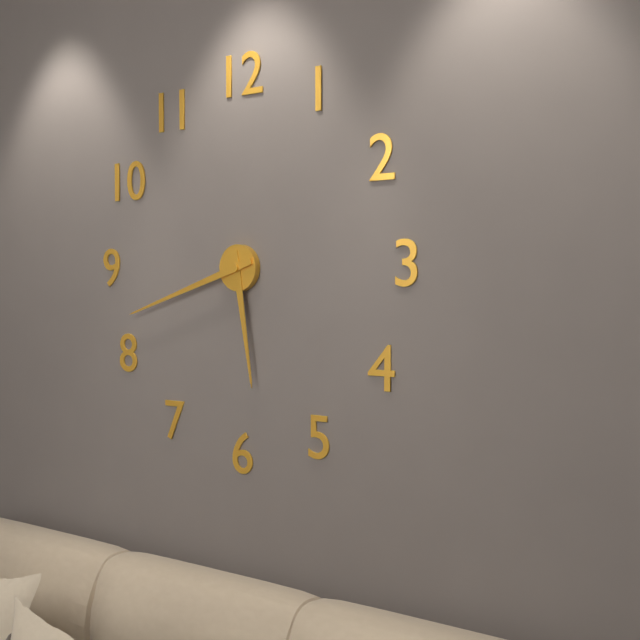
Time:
5.42
